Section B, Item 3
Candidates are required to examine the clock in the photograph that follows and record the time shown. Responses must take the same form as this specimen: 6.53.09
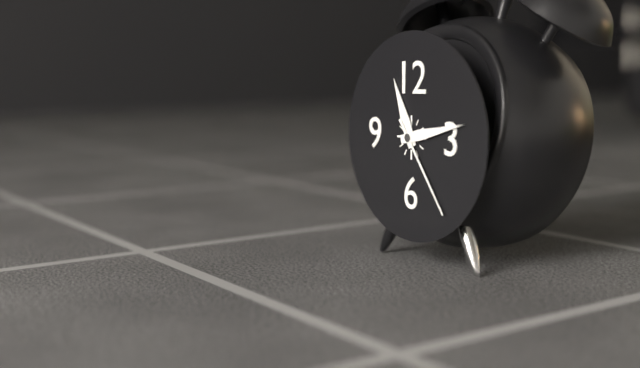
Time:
11.13.24
